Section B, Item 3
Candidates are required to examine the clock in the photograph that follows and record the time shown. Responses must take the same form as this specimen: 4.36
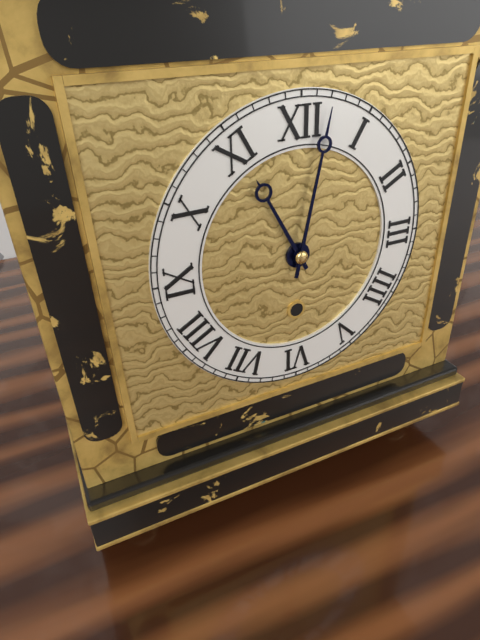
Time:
11.02
